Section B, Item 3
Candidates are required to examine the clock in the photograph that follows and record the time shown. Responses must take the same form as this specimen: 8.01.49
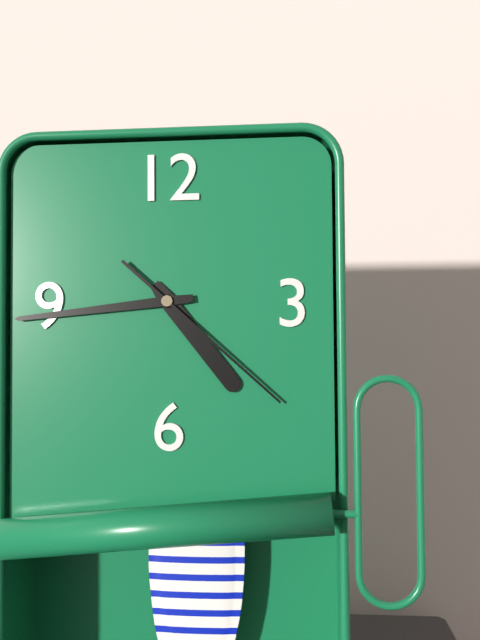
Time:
4.44.22
